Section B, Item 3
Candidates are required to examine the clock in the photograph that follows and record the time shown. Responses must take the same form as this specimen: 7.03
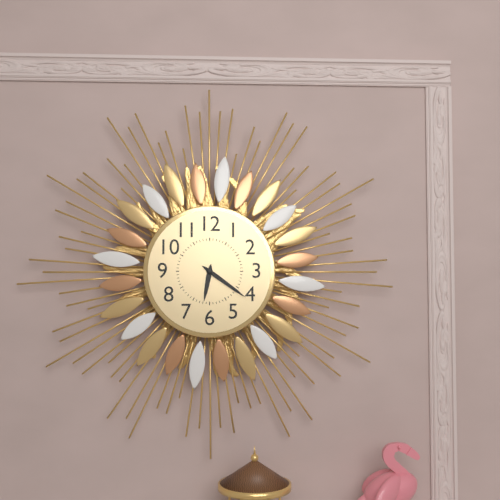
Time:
6.21
